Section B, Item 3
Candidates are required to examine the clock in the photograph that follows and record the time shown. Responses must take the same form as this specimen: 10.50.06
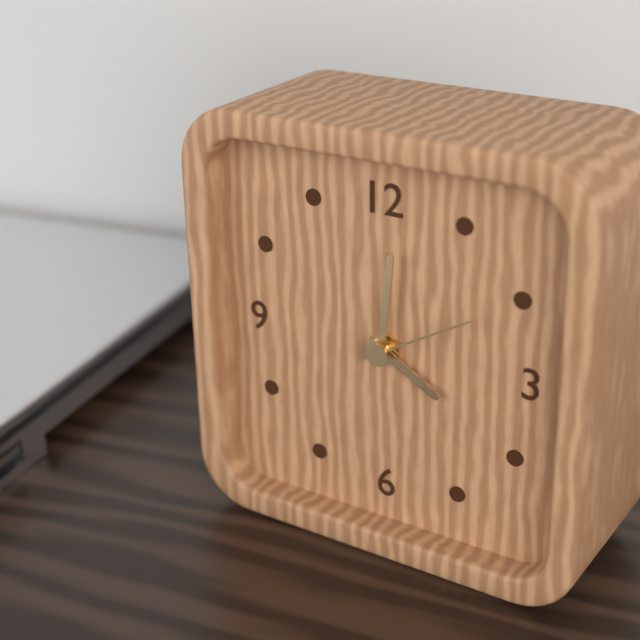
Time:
4.01.10
